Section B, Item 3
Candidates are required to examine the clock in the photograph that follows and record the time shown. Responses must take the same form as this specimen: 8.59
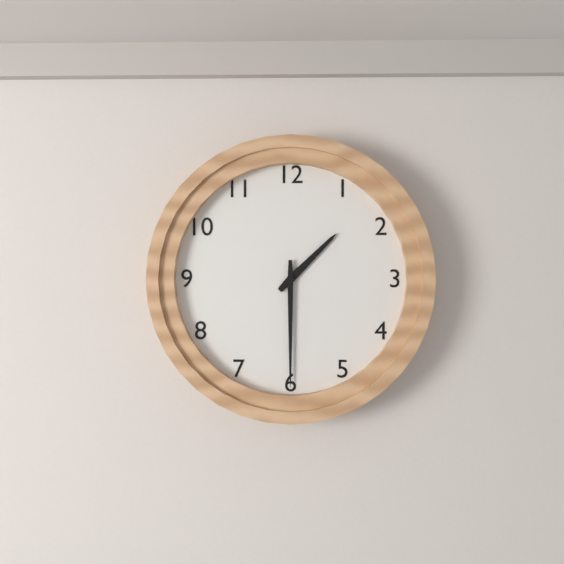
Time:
1.30
